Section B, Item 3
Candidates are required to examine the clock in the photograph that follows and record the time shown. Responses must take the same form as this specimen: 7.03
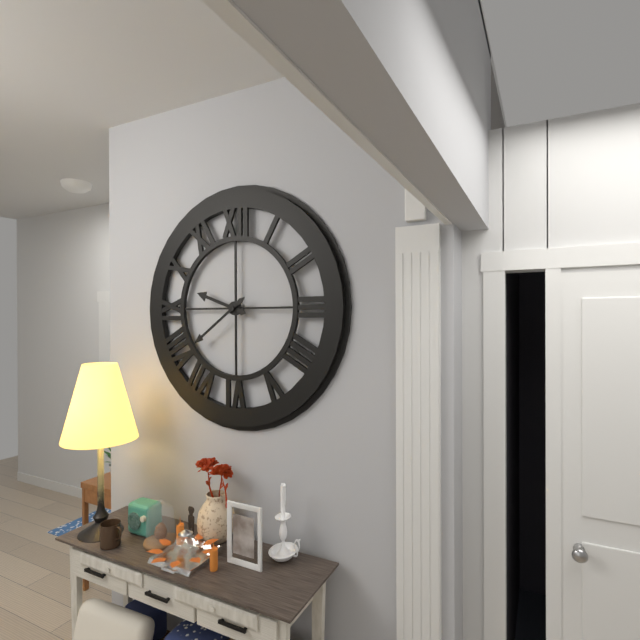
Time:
9.39
